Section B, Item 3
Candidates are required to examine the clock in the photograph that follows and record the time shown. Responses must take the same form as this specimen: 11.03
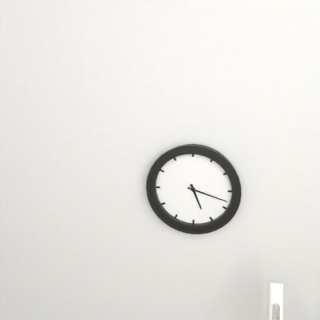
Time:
5.18
